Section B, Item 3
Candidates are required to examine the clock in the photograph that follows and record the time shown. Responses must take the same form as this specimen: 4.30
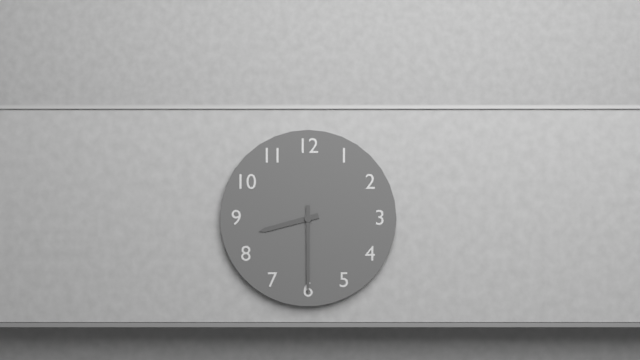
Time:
8.30
